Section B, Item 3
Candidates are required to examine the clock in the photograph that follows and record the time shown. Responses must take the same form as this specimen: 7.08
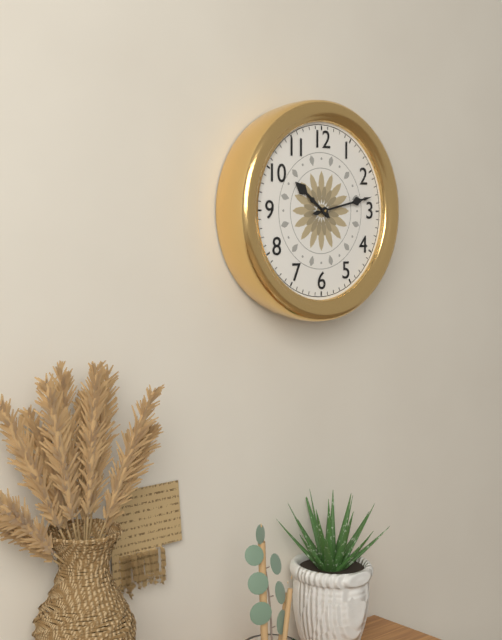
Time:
10.13
